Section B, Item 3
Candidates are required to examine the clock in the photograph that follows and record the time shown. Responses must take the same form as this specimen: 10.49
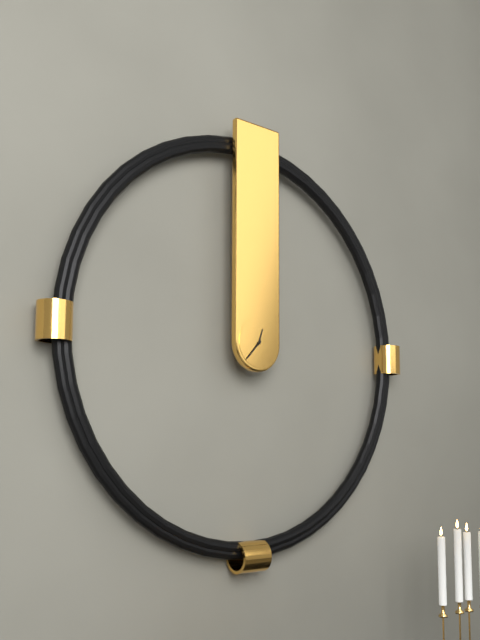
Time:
12.37
